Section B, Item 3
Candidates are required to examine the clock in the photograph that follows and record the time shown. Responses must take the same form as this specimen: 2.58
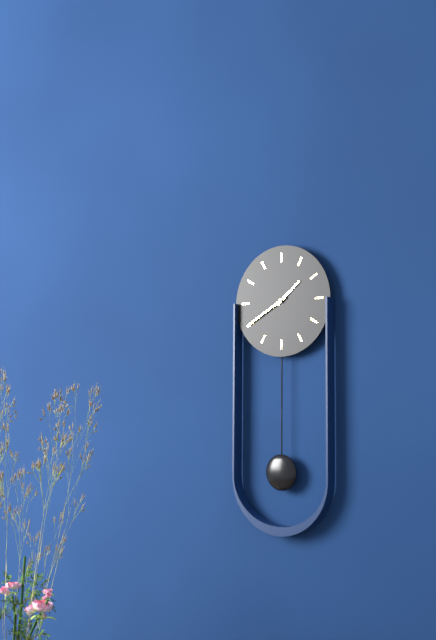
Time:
1.40
